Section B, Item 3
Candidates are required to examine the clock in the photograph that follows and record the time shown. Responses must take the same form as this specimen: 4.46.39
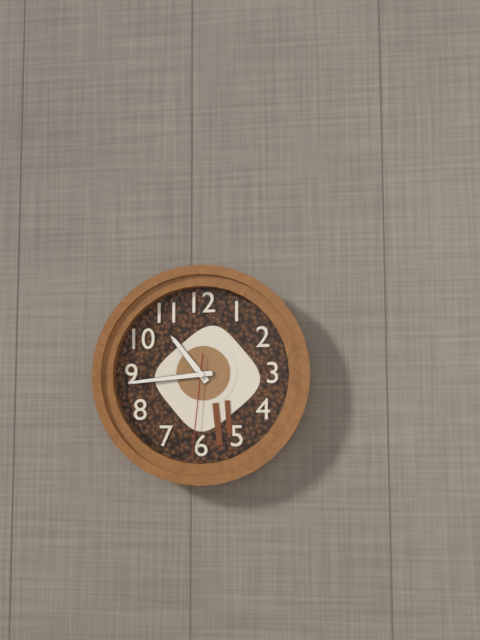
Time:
10.44.31
